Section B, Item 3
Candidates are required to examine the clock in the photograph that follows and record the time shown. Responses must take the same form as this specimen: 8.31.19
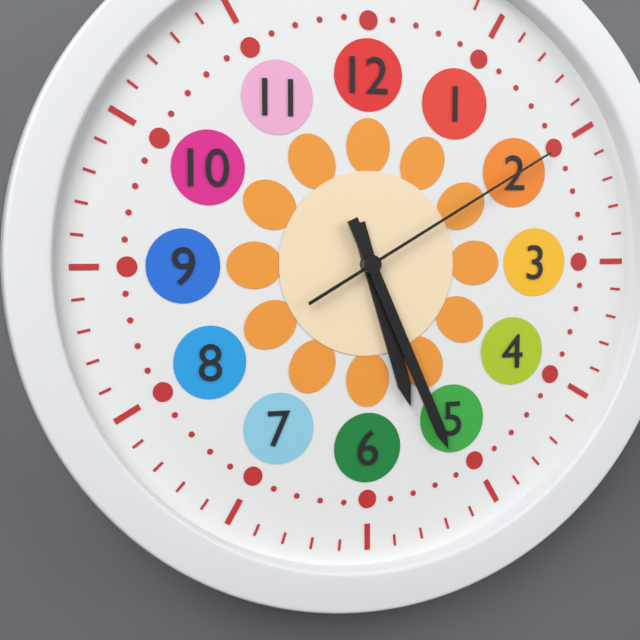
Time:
5.26.10
